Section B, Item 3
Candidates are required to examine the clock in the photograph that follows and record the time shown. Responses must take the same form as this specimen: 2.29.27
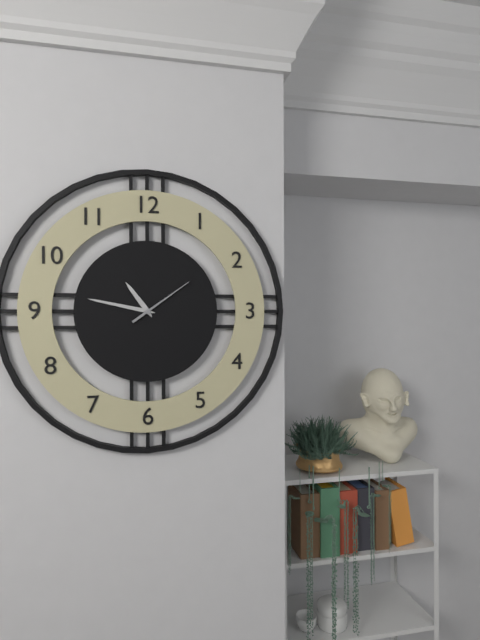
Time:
10.47.09
